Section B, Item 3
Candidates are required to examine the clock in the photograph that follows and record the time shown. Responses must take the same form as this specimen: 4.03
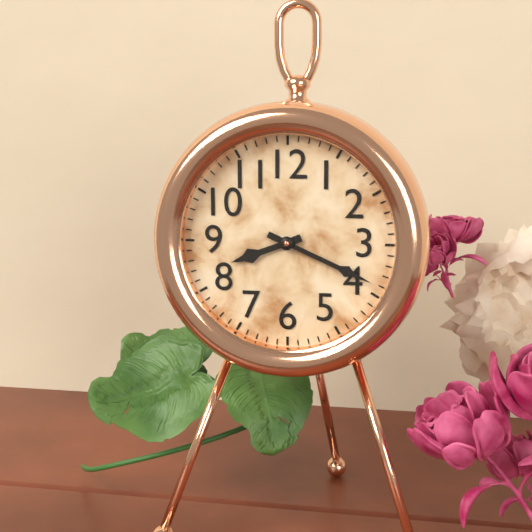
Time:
8.19
